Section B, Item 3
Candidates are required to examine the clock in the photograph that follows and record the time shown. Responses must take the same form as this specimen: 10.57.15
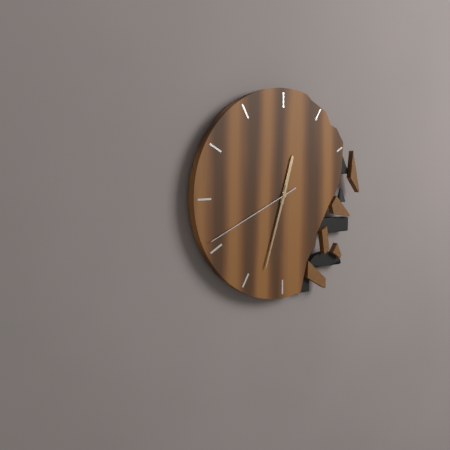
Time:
12.33.41
